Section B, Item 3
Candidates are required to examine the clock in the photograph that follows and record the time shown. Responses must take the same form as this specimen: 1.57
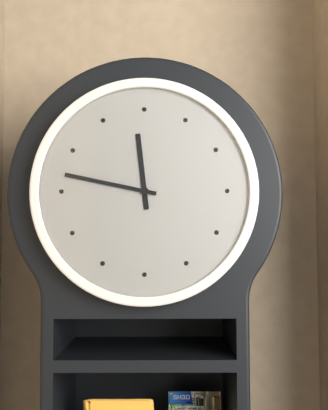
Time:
11.47
